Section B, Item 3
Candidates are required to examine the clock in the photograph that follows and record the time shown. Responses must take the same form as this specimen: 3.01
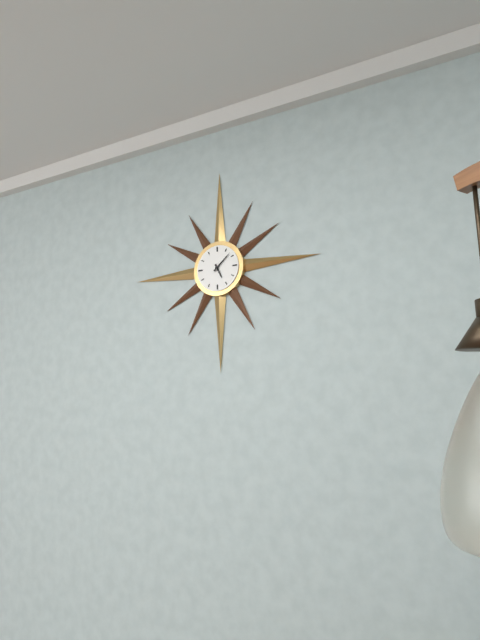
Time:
5.08
